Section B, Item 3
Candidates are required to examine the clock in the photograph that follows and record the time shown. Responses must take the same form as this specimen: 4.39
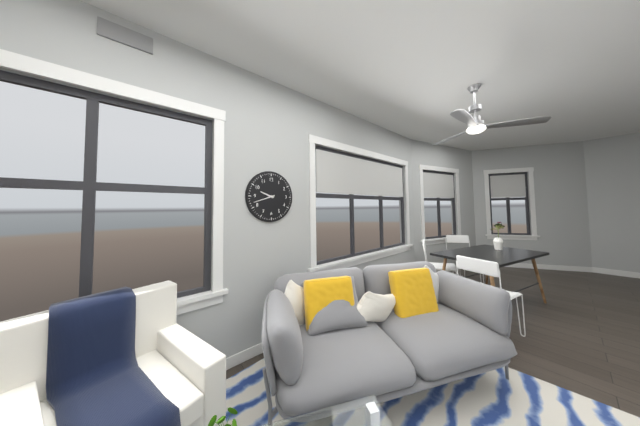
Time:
9.42
